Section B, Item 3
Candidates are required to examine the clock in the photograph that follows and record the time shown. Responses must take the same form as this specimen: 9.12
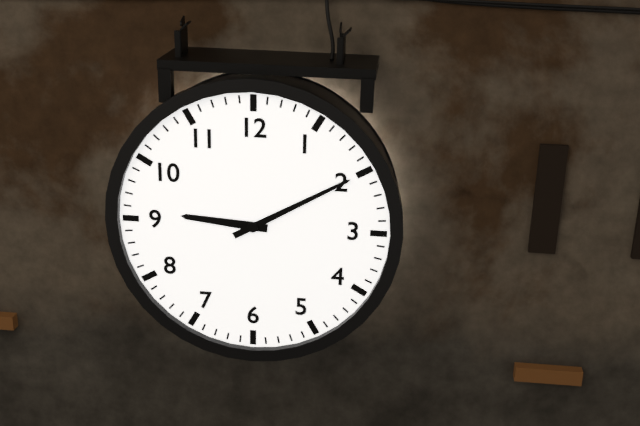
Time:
9.10
